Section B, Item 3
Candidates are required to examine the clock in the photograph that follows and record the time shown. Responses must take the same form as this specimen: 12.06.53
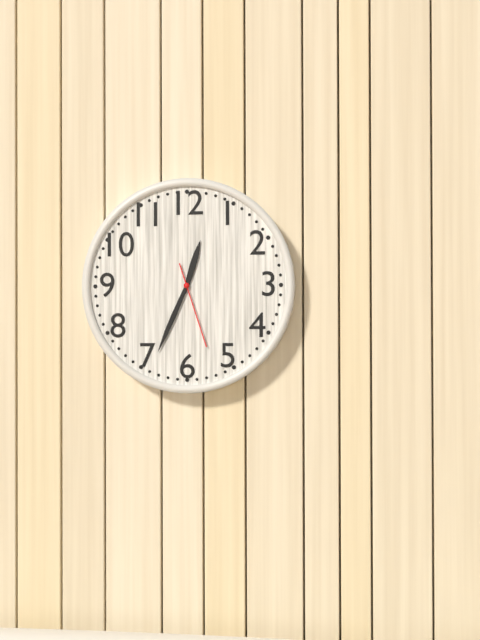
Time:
12.34.27
